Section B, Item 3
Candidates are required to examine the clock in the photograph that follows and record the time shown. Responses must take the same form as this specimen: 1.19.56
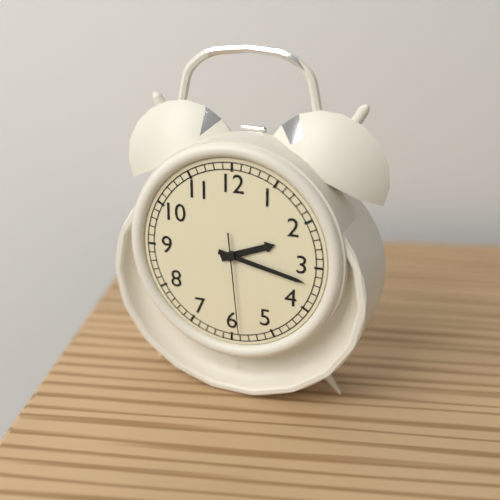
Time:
2.17.29
